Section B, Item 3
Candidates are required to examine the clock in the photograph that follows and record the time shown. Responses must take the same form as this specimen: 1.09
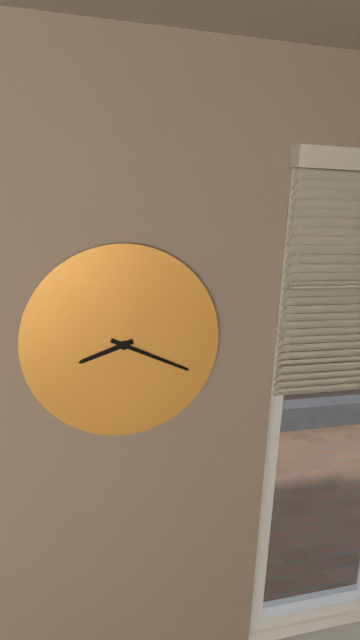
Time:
8.19
